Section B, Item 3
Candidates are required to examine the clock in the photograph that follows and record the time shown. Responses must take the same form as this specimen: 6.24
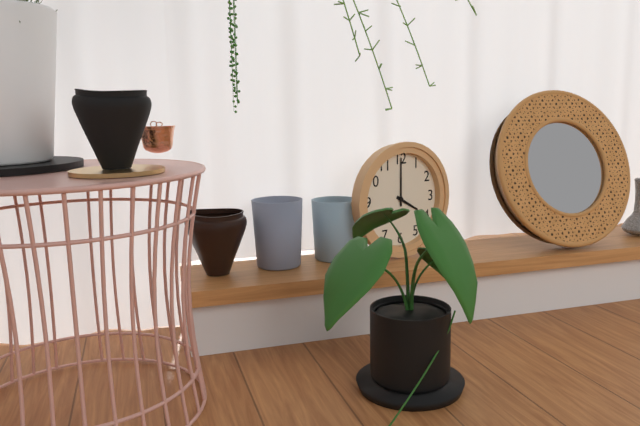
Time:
4.00
